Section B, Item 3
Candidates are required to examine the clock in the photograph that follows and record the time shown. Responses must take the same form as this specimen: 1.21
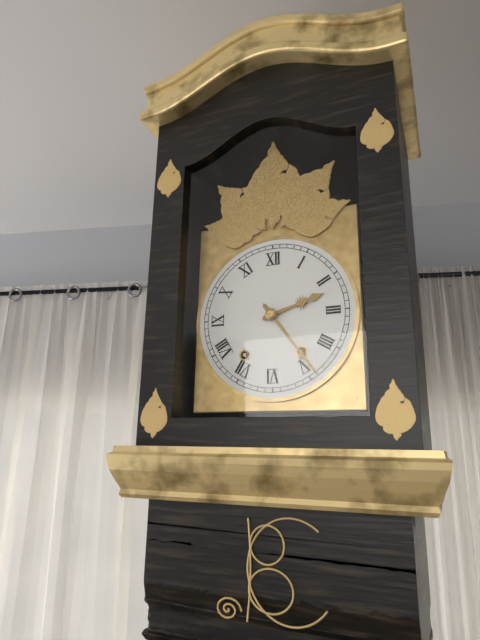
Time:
2.24
